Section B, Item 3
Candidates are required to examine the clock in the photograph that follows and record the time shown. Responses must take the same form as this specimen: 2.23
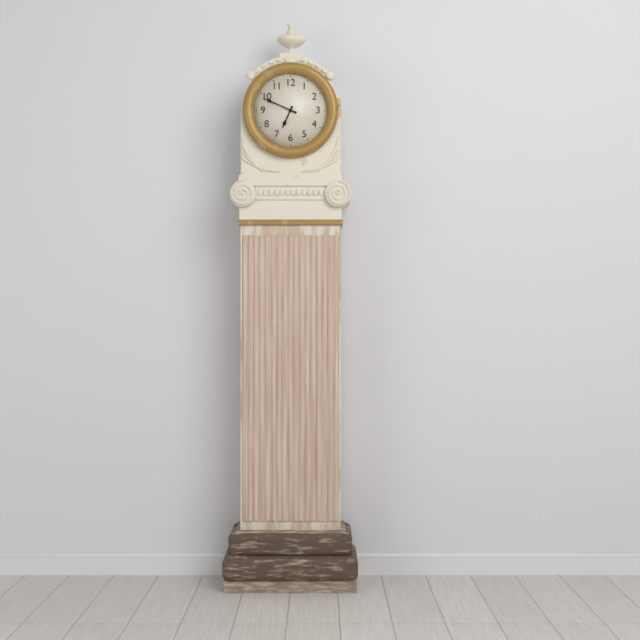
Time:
6.49
